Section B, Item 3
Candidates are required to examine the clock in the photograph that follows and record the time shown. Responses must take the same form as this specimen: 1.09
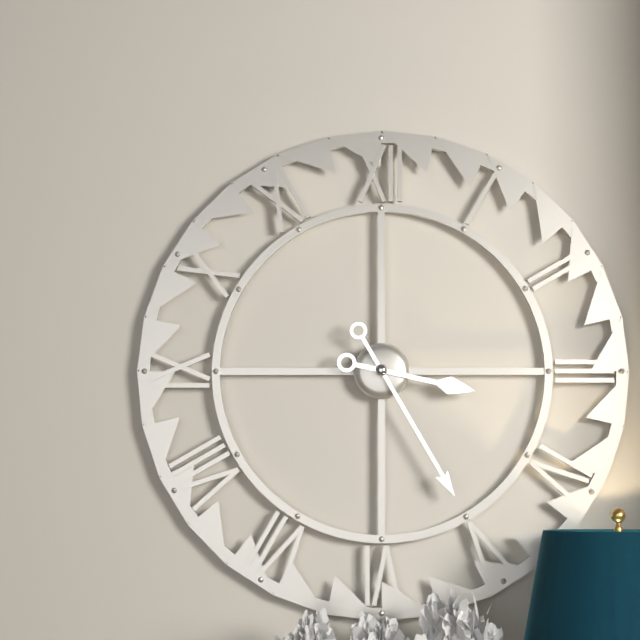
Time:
3.25
